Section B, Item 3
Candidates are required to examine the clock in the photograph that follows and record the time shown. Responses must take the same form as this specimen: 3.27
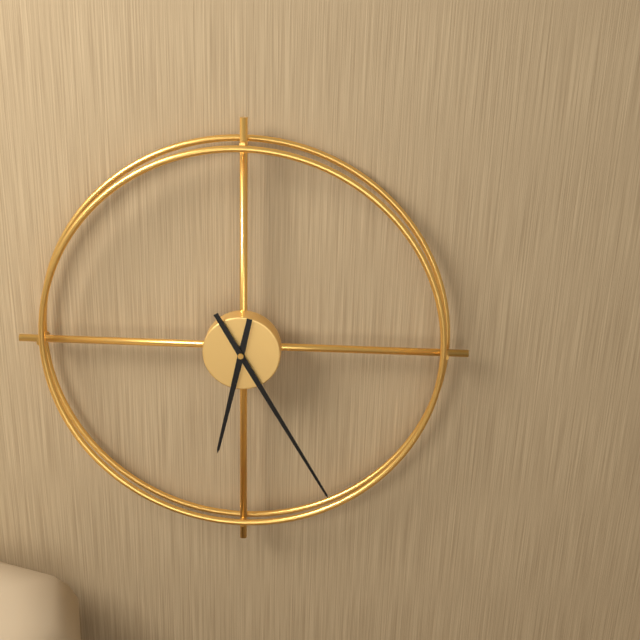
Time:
6.25
